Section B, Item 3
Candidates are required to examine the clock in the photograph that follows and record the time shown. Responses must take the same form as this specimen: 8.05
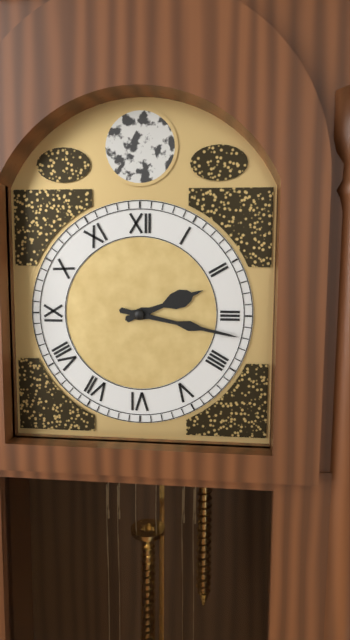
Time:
2.17
